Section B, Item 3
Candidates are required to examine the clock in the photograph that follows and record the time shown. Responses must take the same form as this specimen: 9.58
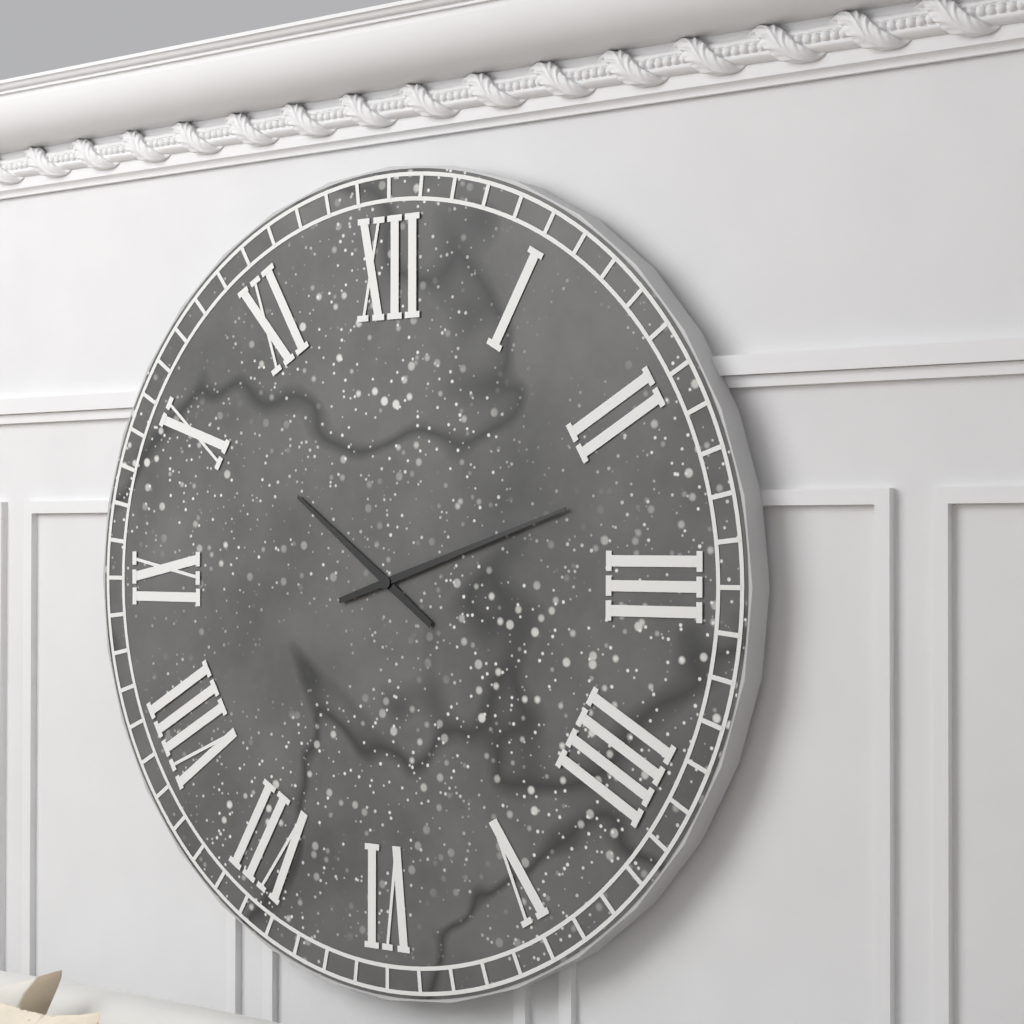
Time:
10.12
